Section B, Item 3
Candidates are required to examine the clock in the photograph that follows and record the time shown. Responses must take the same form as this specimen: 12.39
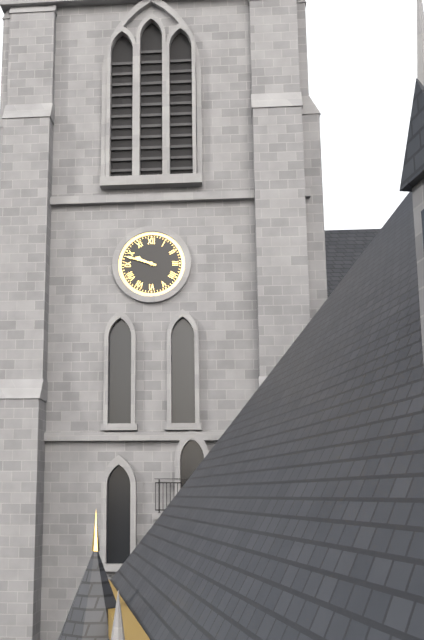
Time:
9.48
